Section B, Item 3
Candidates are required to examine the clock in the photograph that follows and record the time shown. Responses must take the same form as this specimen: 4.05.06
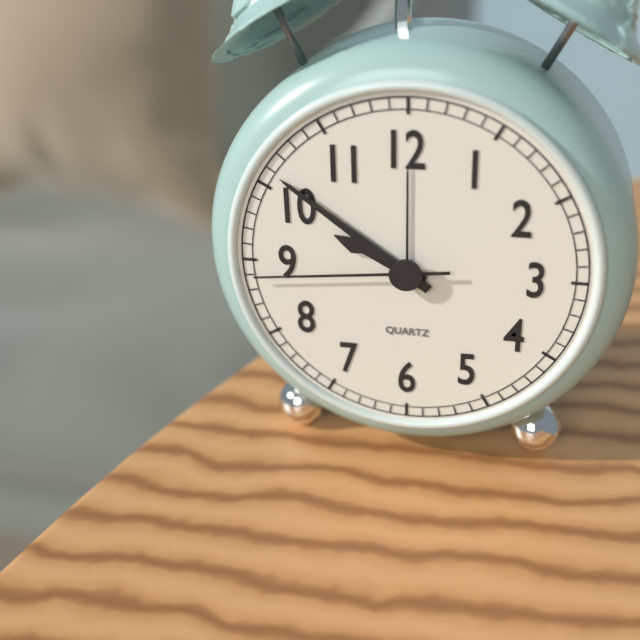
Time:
9.51.44
